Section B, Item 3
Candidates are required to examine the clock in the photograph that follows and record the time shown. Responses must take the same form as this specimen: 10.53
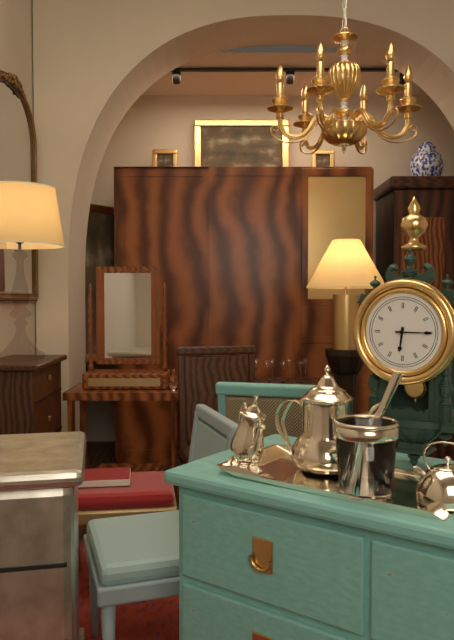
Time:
6.15
